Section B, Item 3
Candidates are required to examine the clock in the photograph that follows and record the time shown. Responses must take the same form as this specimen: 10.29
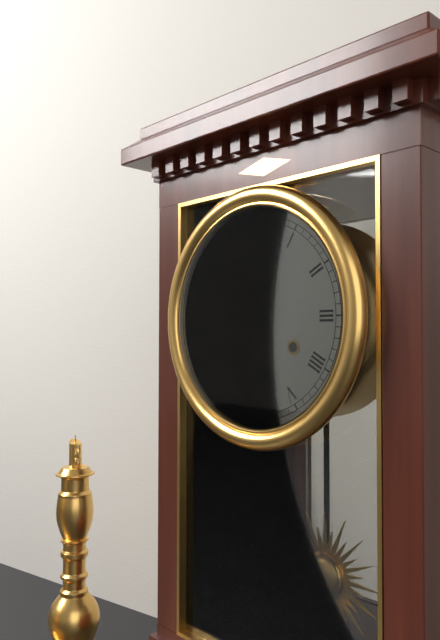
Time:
6.48
